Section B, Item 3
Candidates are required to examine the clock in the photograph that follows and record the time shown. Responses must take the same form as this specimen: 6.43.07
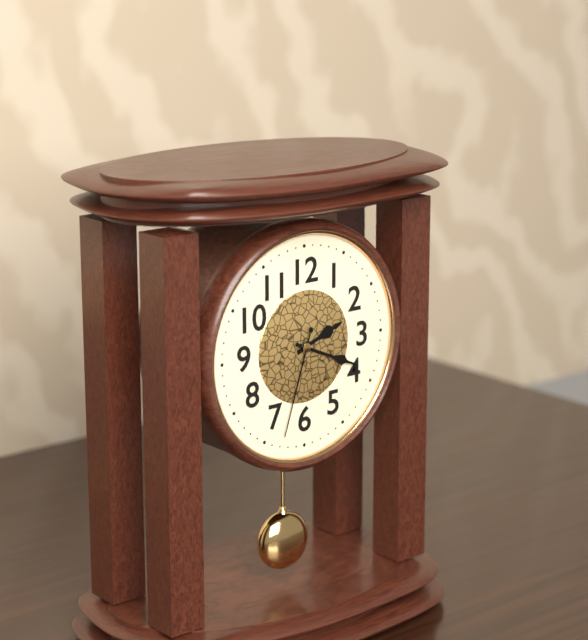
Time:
2.19.33
